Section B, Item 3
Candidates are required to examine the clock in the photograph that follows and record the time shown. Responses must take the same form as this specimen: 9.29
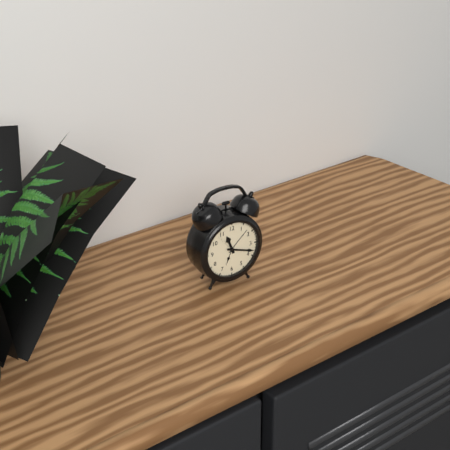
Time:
11.18
